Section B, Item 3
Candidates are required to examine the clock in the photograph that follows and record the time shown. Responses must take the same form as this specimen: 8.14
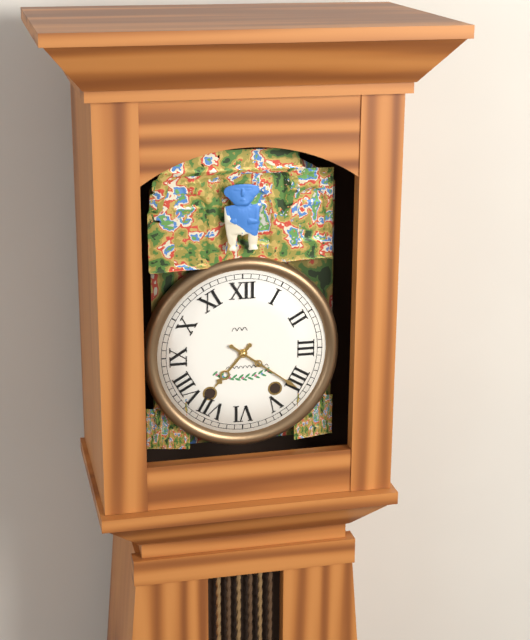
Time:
7.21
